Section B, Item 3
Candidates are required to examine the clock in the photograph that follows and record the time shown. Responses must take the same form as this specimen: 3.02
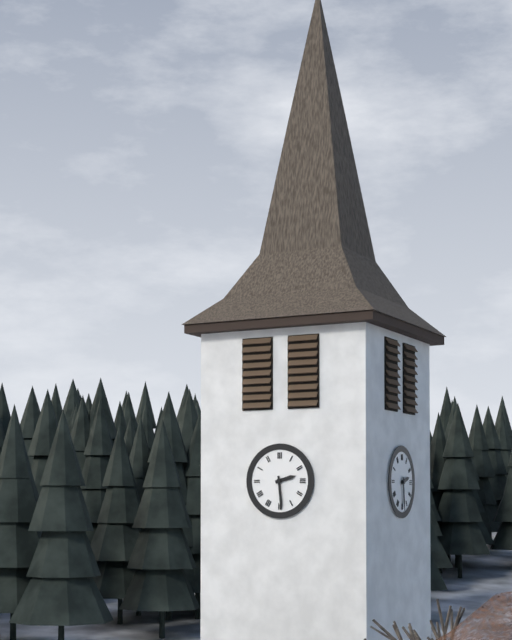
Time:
2.29
